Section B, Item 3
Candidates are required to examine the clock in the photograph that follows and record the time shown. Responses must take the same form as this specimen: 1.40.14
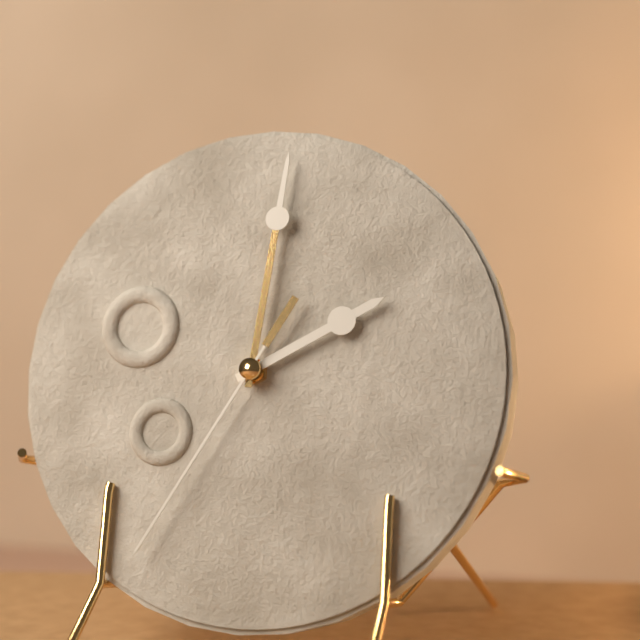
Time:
2.01.35
